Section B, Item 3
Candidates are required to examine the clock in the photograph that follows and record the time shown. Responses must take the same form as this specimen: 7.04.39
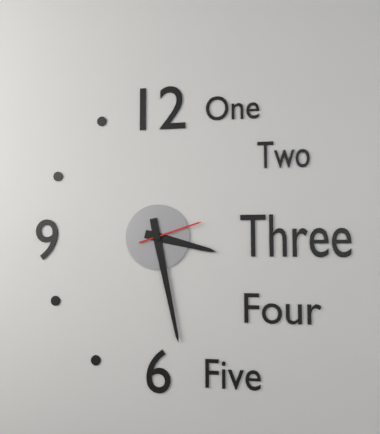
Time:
3.28.12
